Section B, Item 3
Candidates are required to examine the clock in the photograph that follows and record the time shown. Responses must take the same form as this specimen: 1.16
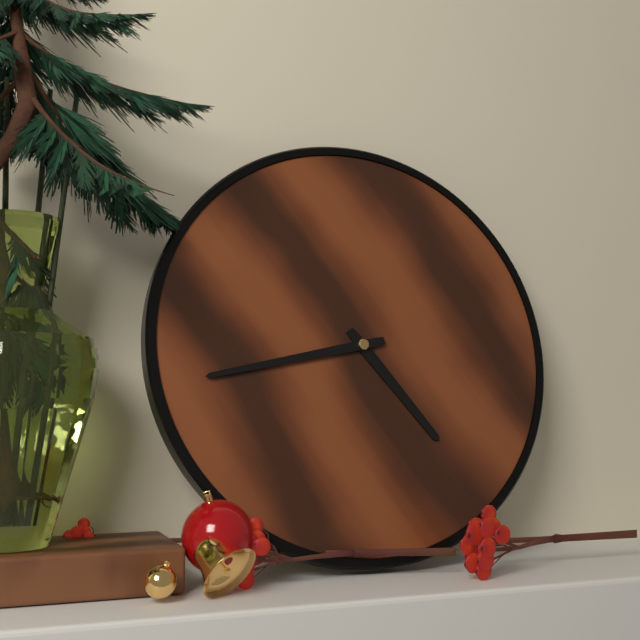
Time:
4.43
